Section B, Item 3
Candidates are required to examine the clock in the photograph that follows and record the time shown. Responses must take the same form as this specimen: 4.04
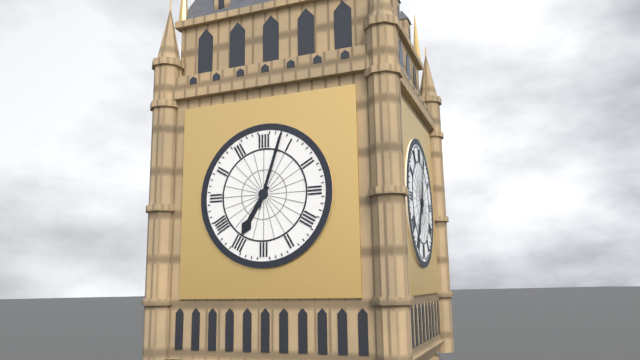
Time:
7.03
